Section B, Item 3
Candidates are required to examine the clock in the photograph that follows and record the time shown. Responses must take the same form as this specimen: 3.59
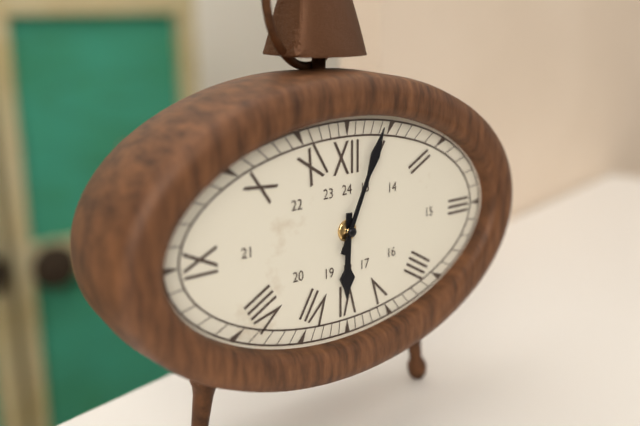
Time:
6.04
